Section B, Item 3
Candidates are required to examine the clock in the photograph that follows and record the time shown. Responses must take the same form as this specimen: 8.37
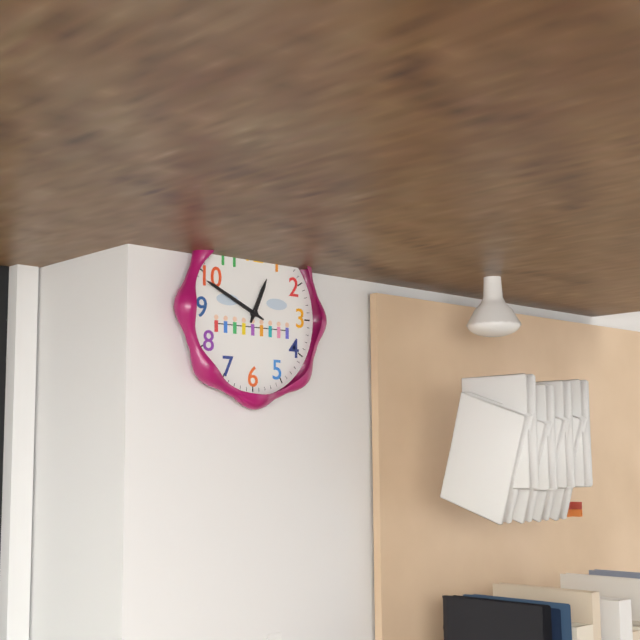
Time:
12.49
